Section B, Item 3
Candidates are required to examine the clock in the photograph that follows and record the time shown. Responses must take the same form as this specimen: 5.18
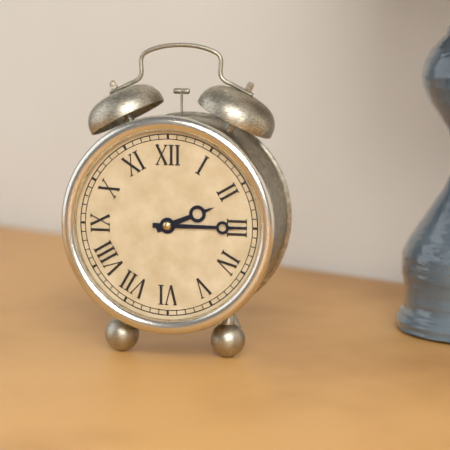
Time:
2.15
